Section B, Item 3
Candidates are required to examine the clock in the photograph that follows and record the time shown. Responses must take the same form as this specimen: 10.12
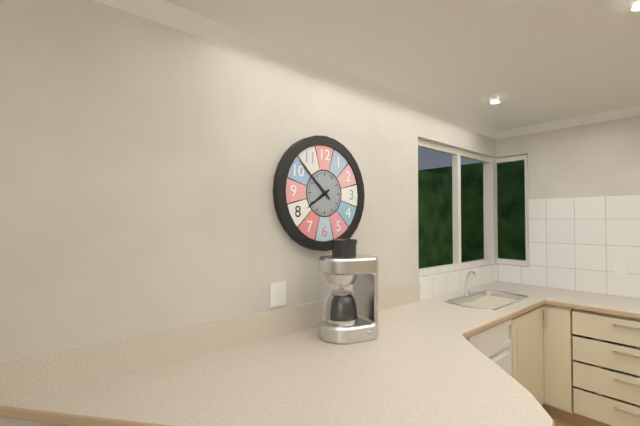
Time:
7.52
